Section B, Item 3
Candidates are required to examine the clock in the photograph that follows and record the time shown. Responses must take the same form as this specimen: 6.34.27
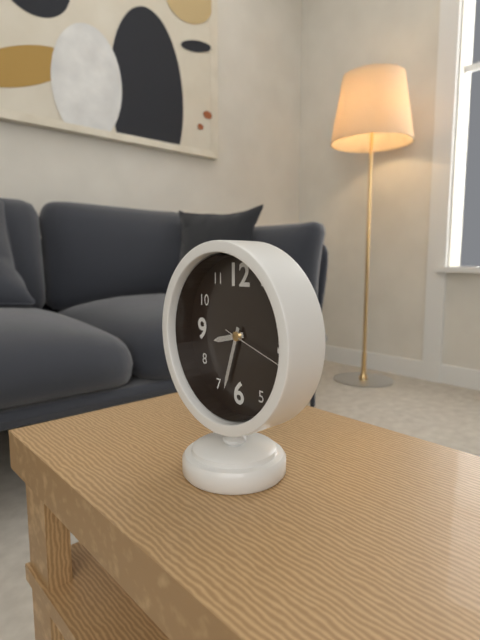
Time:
8.33.18
